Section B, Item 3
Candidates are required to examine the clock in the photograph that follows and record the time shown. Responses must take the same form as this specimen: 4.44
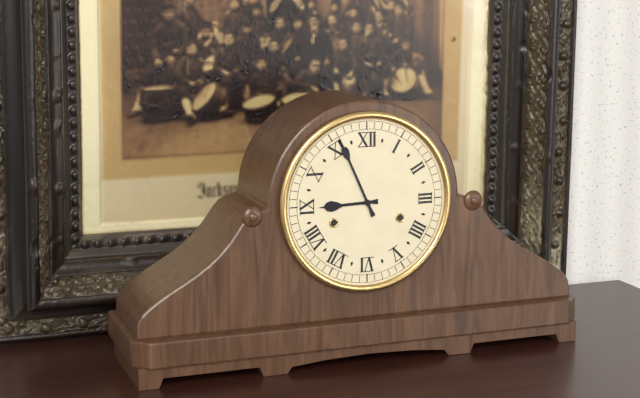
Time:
8.56
